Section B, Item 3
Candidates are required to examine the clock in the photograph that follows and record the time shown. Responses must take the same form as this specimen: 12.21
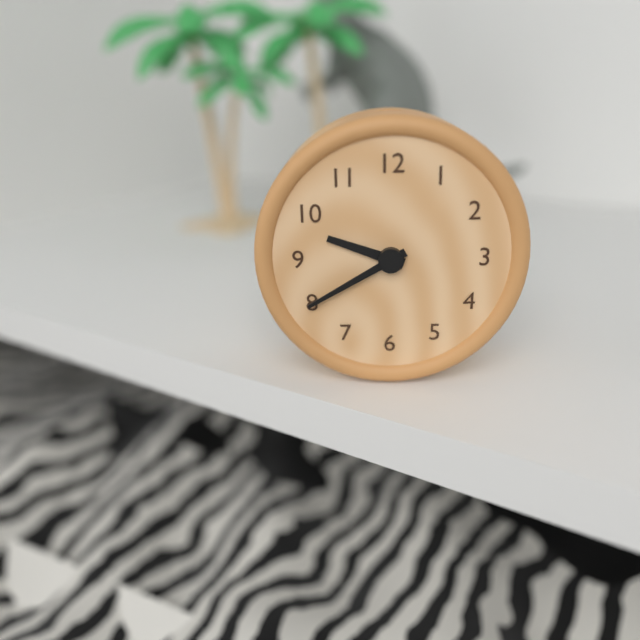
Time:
9.40
